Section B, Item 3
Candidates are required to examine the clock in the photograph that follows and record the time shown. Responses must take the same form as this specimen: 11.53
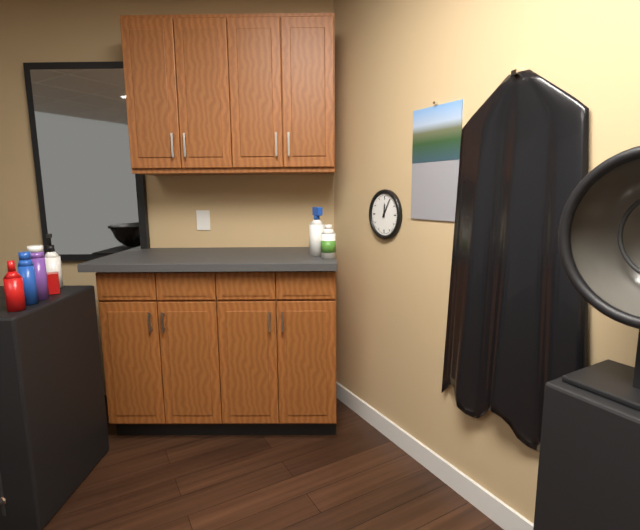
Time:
12.05
